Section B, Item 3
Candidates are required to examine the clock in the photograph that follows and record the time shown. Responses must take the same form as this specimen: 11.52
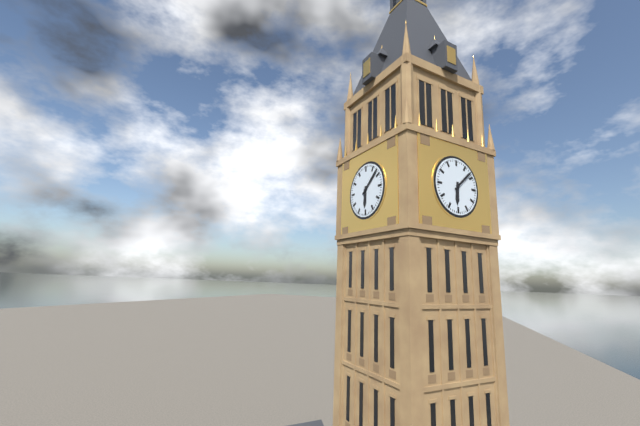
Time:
6.08
